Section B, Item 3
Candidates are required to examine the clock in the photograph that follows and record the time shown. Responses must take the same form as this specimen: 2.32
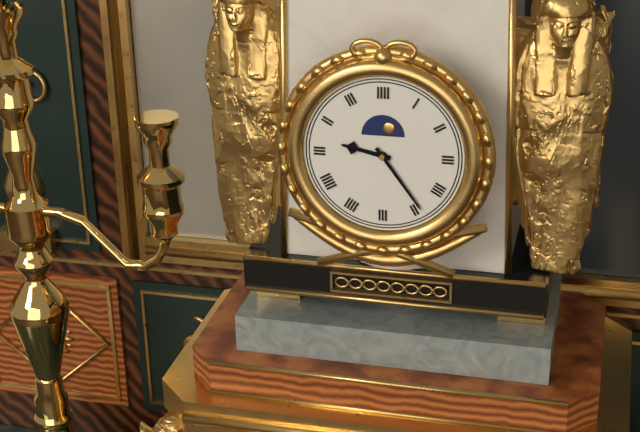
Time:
9.24
